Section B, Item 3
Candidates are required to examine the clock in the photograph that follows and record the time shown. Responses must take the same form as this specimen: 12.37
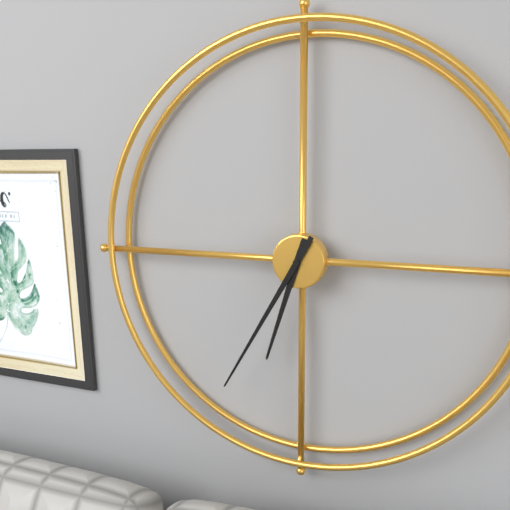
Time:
6.35
